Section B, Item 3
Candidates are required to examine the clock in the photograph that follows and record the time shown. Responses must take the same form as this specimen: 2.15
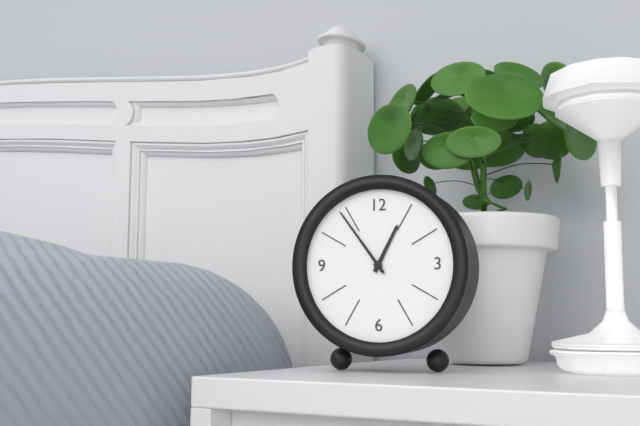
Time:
12.54
